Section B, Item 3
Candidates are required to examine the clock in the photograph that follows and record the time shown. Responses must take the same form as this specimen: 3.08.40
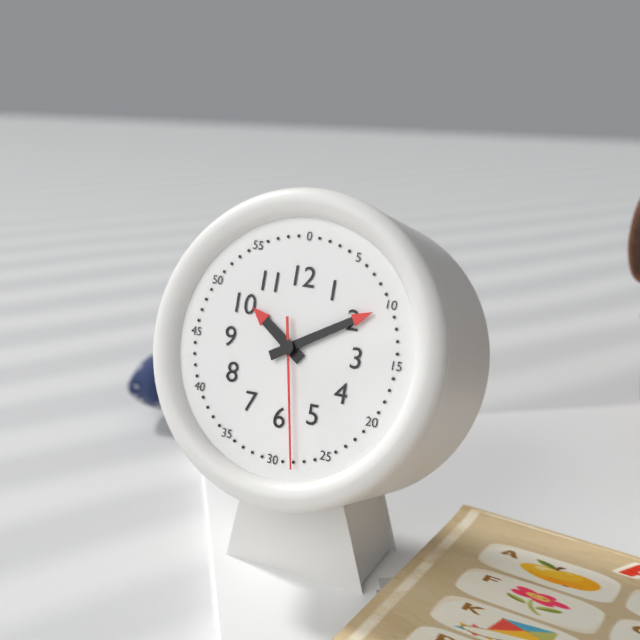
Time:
10.10.28
